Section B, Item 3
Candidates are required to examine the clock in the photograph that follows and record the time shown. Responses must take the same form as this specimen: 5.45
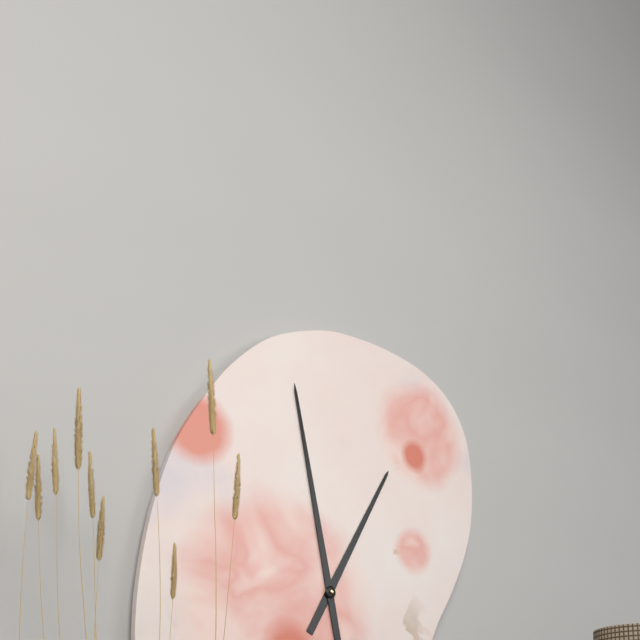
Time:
12.58
